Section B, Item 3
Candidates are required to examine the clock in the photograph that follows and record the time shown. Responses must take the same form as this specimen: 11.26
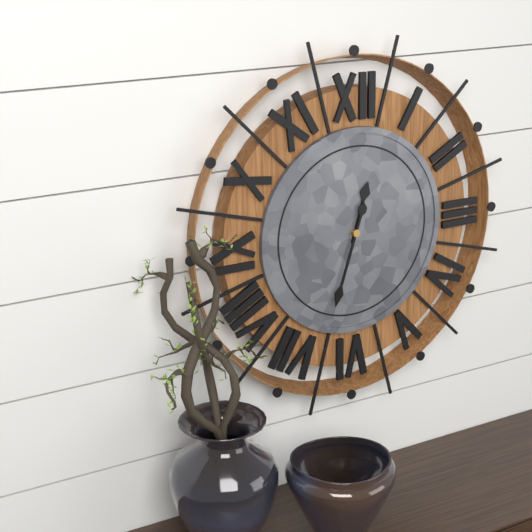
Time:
12.33
